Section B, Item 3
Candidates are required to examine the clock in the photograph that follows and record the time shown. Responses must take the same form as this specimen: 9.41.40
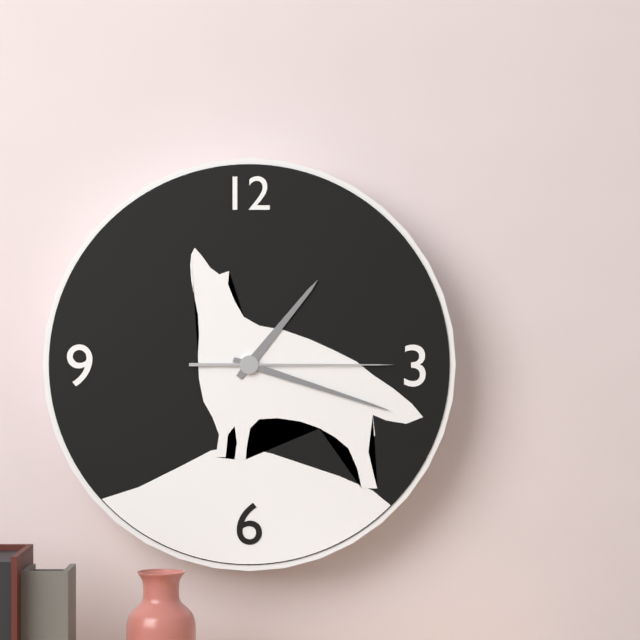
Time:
1.18.15
